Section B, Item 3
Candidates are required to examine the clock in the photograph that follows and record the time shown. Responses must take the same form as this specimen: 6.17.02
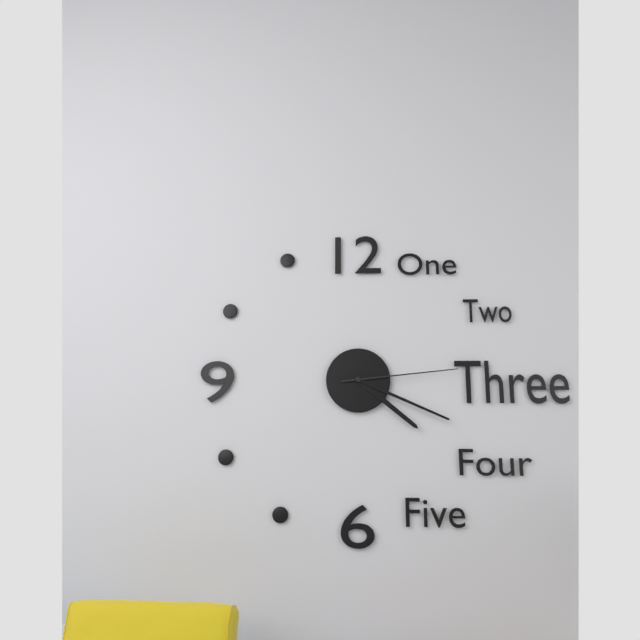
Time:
4.19.14
